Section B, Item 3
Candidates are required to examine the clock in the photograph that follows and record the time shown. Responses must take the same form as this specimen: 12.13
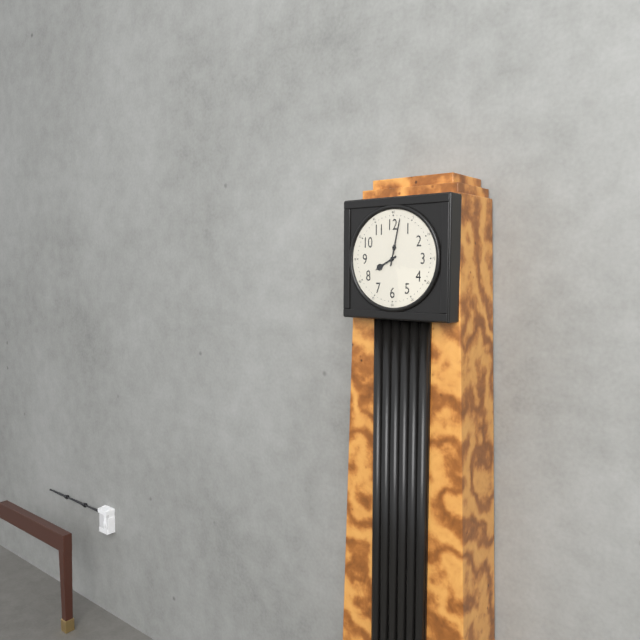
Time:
8.02
